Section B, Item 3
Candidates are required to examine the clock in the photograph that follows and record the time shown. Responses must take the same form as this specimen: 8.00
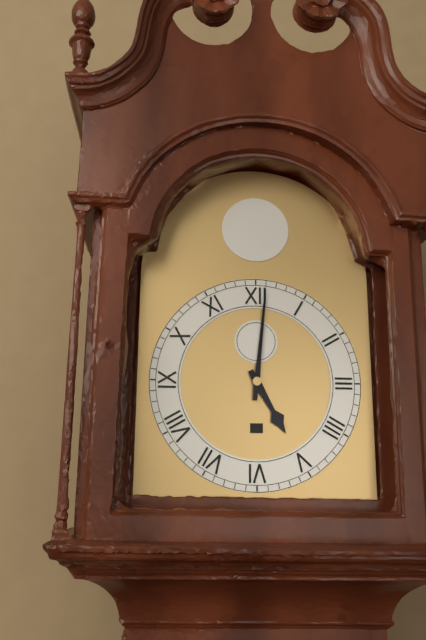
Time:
5.01
